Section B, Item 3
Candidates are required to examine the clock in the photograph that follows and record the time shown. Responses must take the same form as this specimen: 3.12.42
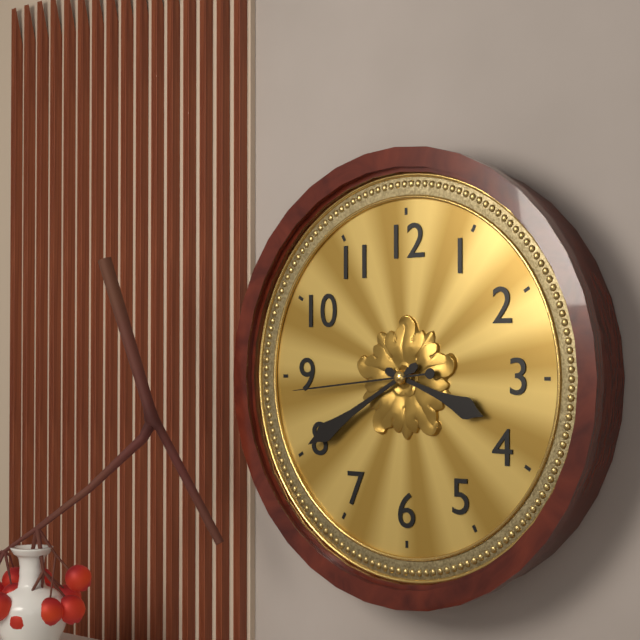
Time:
3.40.44
